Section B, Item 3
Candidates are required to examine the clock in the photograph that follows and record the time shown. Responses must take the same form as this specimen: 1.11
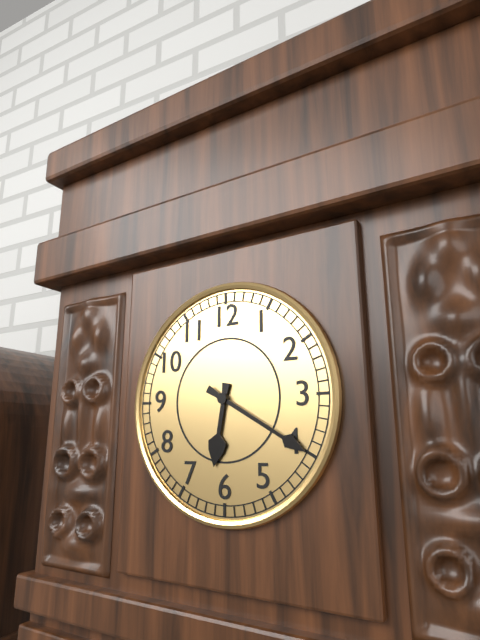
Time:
6.20
